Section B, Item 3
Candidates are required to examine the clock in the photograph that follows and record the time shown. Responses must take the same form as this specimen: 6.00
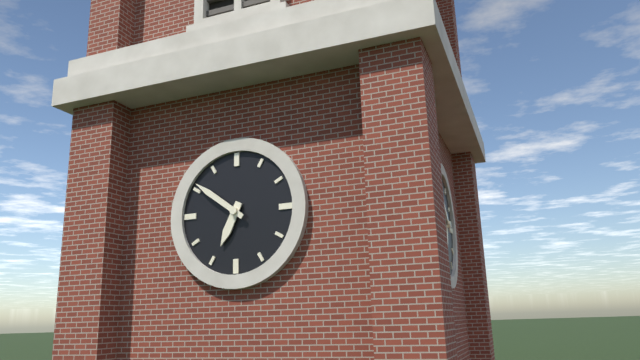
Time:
6.51
